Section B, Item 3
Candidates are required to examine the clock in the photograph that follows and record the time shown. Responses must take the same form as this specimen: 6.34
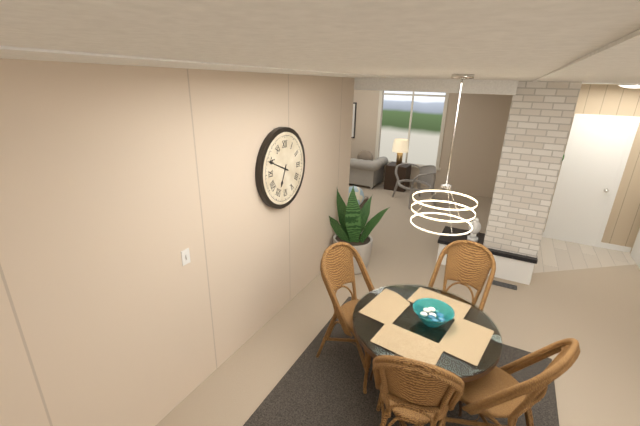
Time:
6.49
